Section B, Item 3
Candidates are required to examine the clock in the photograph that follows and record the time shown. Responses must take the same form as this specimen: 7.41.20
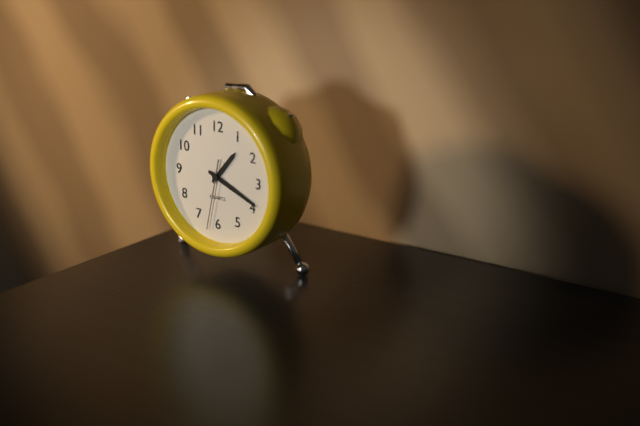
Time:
1.19.32
